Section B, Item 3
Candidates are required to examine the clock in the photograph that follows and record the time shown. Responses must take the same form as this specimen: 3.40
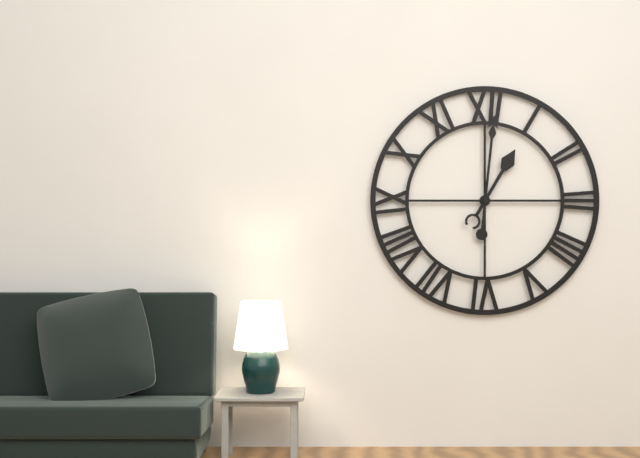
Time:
1.01
